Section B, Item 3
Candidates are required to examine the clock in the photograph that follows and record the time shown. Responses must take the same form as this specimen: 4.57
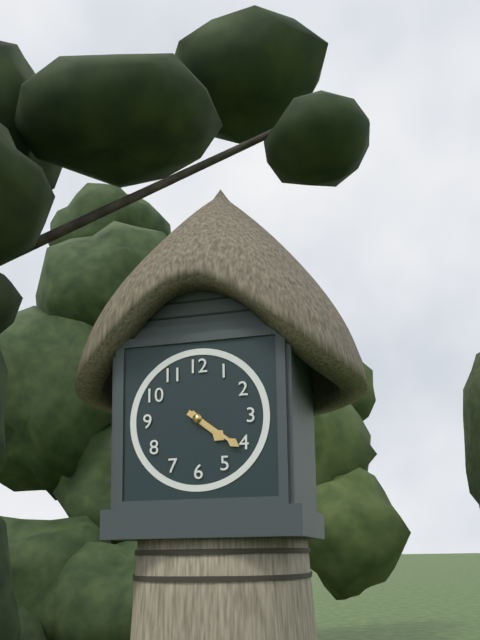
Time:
4.21
